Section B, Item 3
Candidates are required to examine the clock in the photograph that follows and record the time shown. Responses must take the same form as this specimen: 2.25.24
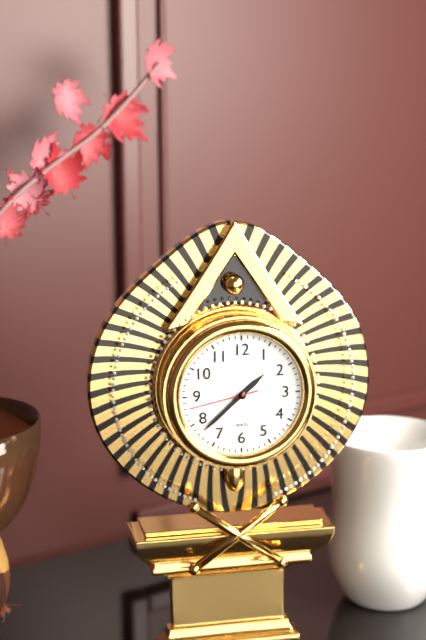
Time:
1.38.43
